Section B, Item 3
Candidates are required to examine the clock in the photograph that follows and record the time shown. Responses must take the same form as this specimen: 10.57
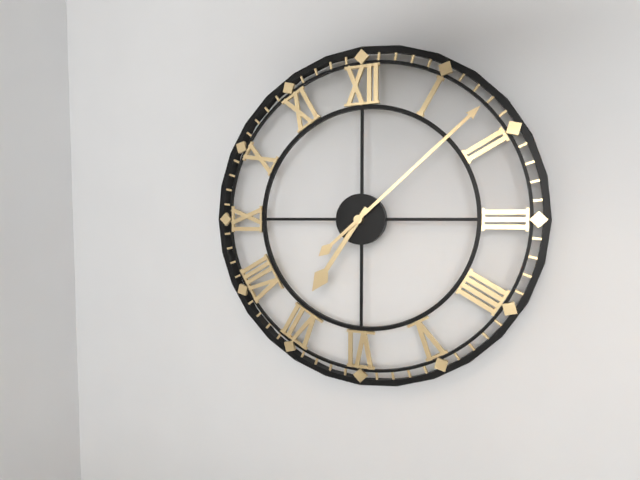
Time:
7.08
